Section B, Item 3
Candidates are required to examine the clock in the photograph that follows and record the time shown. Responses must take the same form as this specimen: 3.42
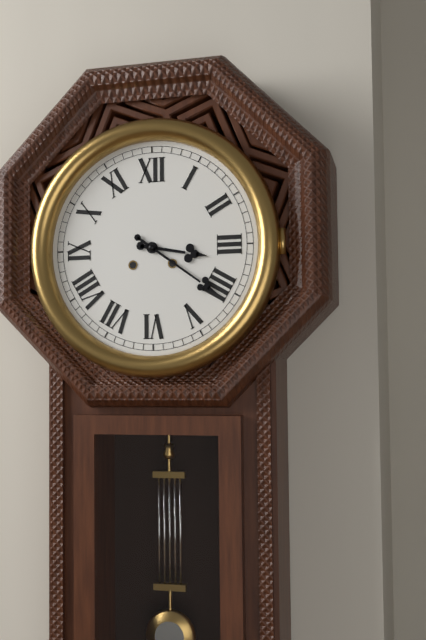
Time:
3.21
